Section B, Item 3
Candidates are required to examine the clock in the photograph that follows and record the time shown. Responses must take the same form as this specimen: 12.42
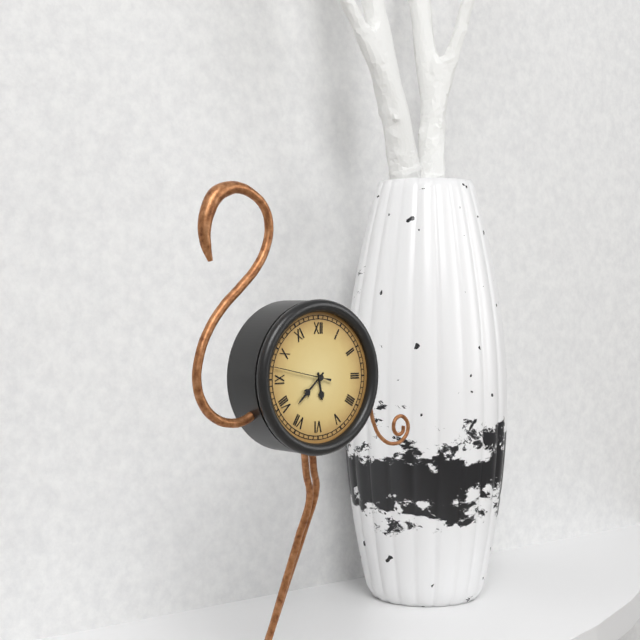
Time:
5.38
